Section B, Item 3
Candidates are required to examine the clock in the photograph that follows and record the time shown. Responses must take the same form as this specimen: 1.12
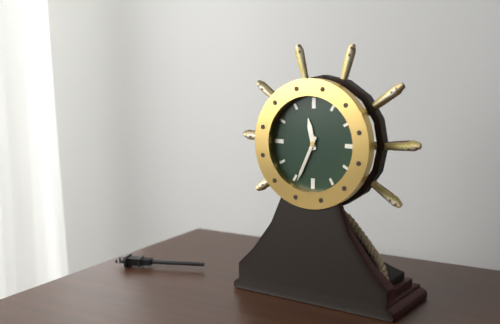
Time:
11.34
